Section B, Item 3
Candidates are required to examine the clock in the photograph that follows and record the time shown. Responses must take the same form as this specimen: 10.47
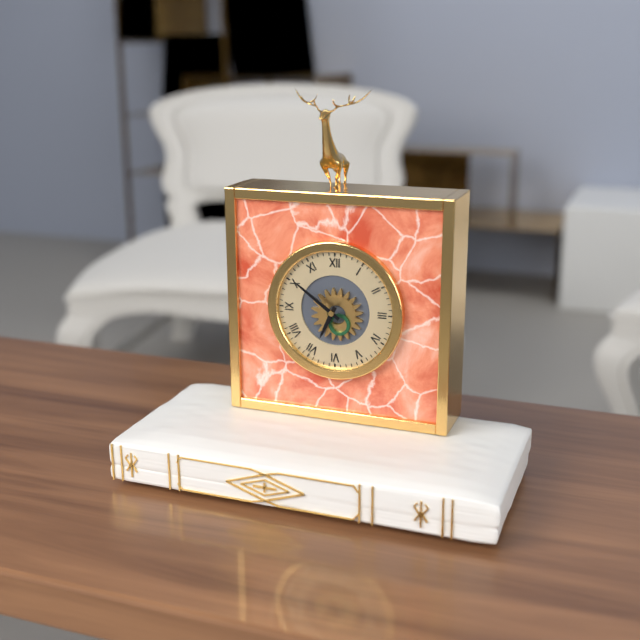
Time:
6.51
